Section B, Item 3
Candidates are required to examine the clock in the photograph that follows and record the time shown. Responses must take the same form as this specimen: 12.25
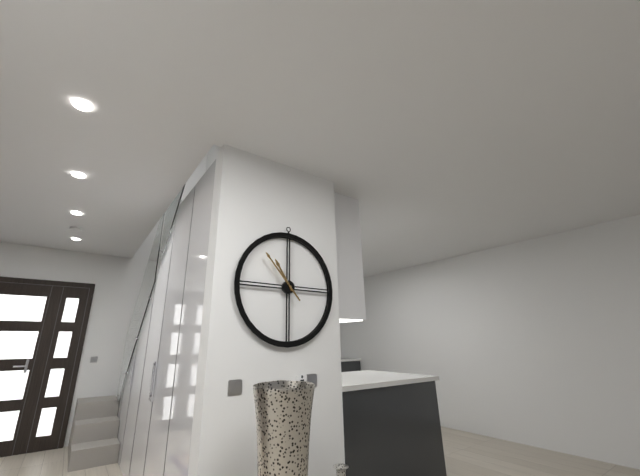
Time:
10.53
